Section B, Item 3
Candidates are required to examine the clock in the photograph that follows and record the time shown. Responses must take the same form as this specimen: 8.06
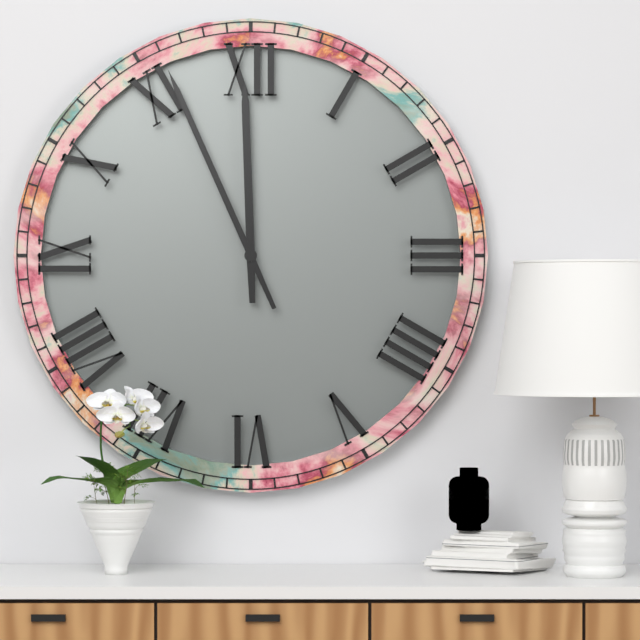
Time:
11.56
